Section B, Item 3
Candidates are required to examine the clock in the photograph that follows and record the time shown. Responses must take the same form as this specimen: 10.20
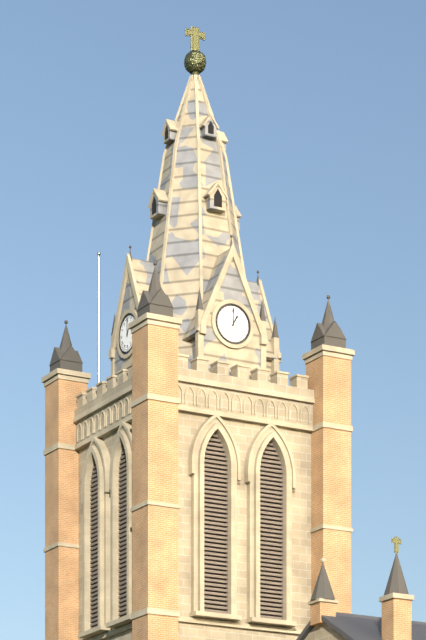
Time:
1.00
